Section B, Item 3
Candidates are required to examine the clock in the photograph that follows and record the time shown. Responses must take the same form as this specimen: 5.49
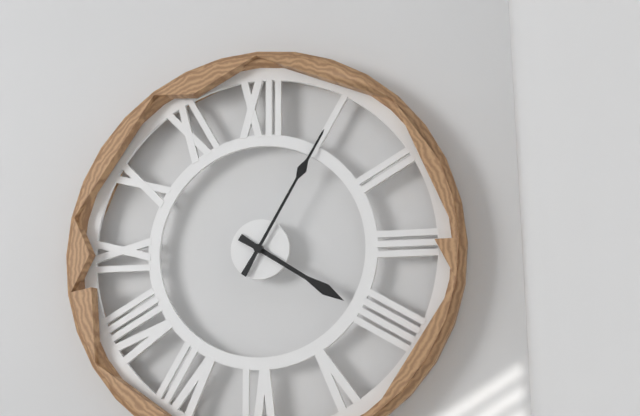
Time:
4.05
